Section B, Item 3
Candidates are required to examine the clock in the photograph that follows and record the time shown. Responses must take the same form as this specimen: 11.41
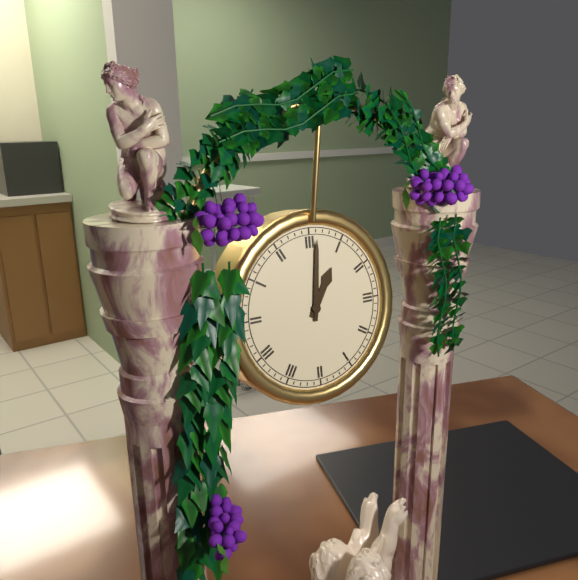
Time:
1.01
